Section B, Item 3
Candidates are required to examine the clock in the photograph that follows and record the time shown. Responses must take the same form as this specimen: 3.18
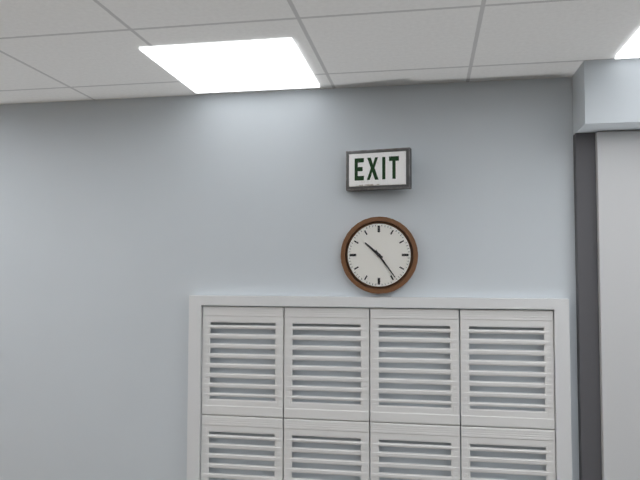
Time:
10.24
